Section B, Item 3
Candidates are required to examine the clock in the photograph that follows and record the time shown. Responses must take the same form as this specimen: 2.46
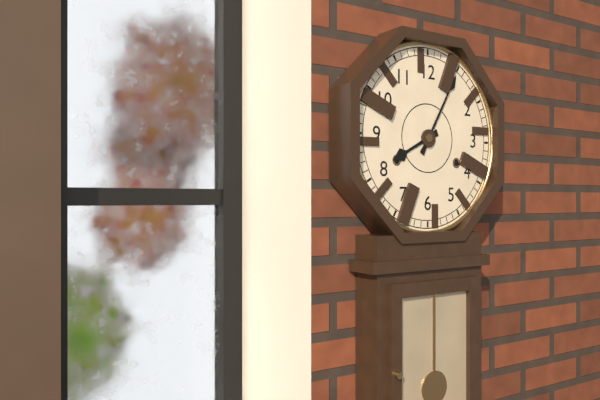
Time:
8.05
